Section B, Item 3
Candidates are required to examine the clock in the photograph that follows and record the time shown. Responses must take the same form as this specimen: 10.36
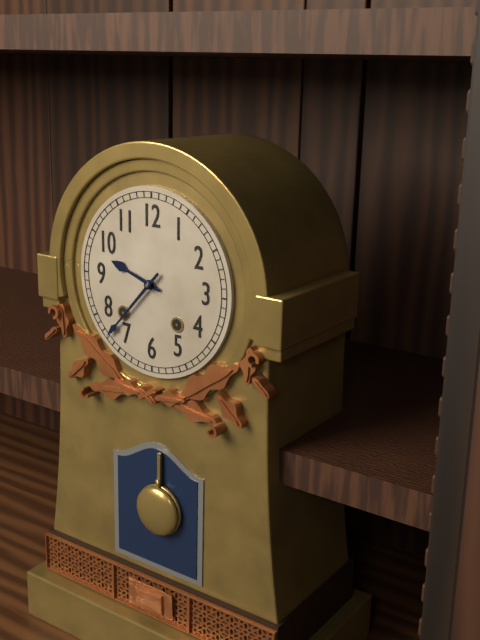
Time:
9.37
